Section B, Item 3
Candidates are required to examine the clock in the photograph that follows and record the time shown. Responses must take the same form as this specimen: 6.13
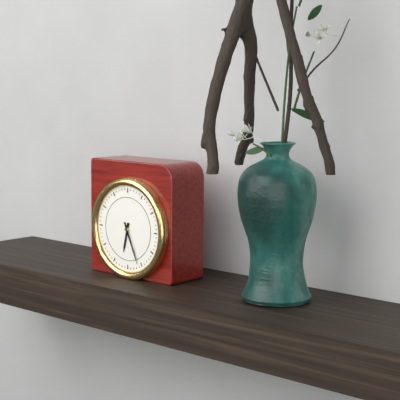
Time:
6.26
